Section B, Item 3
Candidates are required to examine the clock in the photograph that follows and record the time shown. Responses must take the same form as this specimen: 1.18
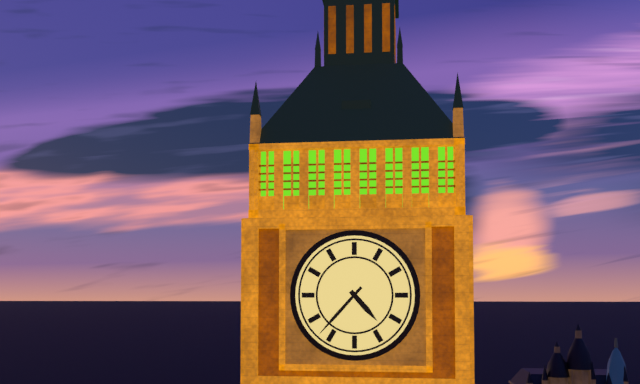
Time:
4.37
